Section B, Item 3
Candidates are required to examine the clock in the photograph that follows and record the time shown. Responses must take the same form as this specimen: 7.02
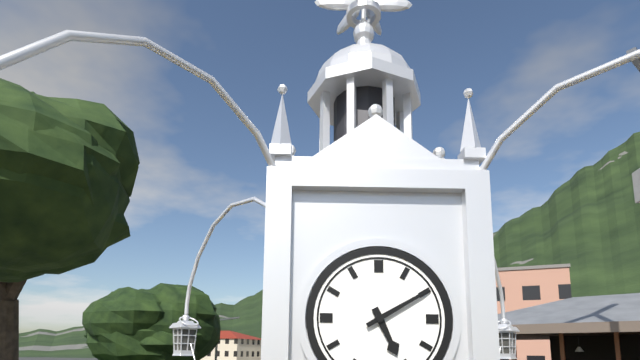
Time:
5.10
